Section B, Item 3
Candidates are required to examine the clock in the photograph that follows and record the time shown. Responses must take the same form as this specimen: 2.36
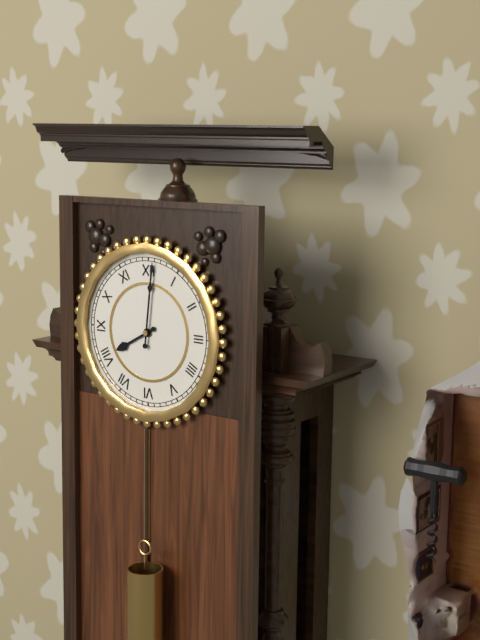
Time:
8.01
